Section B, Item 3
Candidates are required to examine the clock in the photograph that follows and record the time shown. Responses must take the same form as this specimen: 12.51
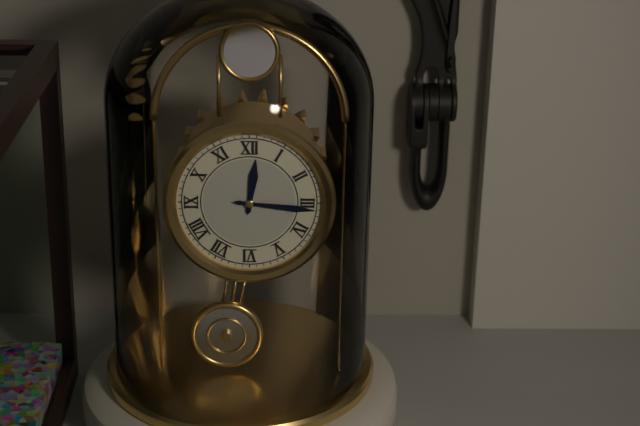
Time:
12.16
